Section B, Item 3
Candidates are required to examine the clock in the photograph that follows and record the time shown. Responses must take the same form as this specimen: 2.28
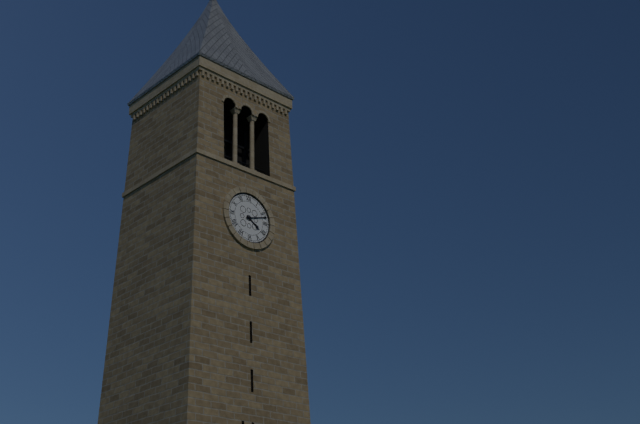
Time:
4.12
